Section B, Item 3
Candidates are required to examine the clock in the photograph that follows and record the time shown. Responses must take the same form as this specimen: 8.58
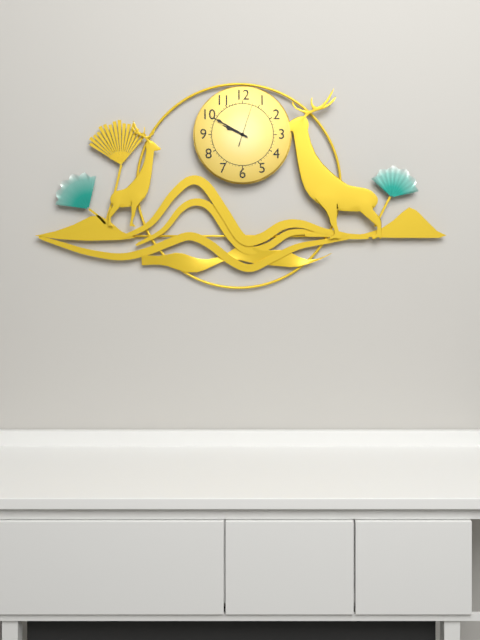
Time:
9.50
